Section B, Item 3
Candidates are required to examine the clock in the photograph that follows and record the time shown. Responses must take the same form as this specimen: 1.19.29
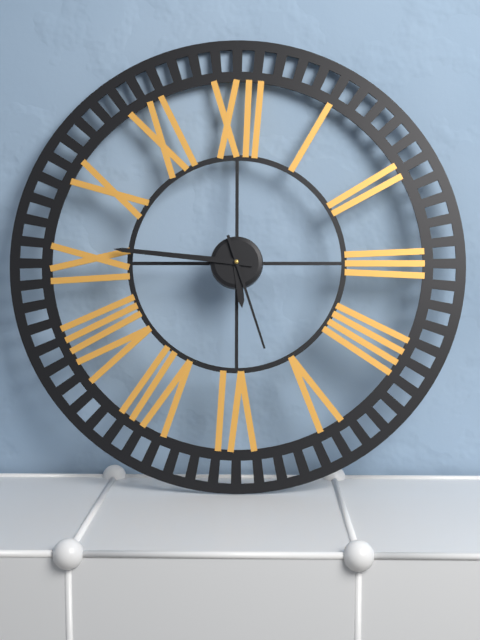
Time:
5.46.27
